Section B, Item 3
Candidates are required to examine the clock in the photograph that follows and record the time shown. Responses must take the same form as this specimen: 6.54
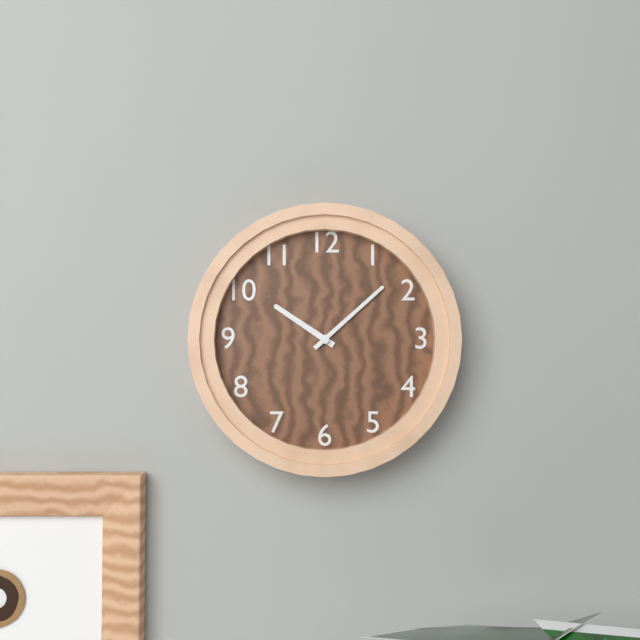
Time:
10.08
